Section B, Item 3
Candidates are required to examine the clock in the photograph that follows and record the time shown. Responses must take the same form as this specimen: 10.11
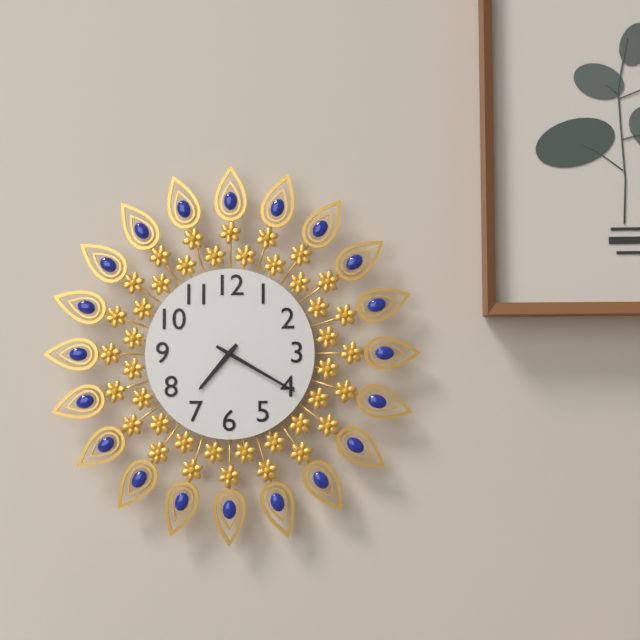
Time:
7.20
